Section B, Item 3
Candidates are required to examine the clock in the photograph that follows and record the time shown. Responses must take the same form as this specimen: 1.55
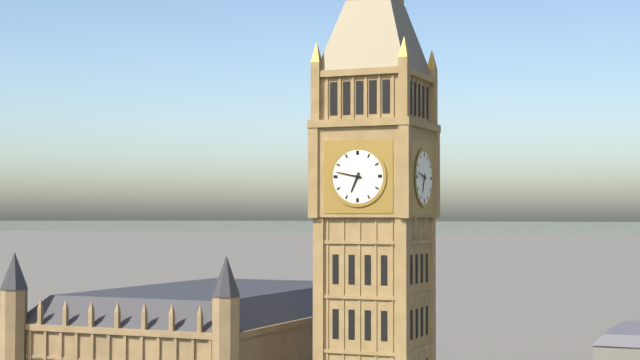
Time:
6.47
